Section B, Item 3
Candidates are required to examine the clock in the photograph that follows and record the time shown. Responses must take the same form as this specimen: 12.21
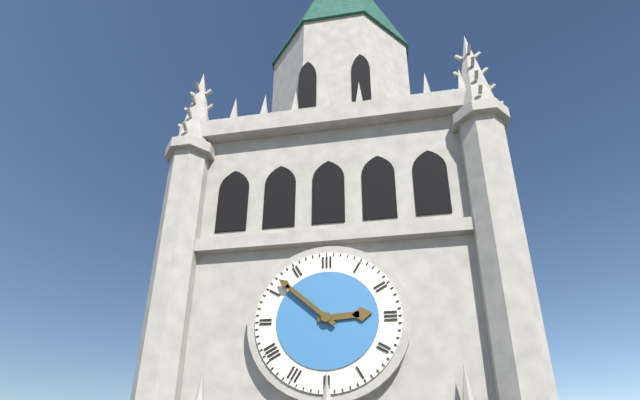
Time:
2.52
